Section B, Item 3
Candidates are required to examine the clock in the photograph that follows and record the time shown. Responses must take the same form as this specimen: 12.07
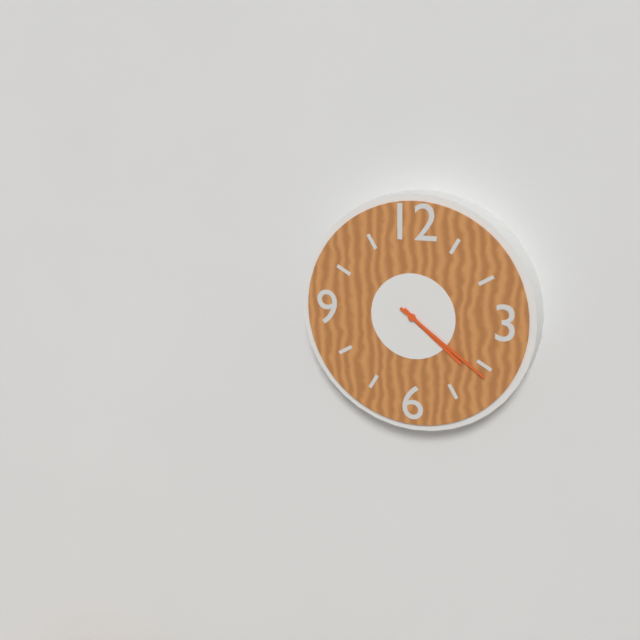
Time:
4.21
